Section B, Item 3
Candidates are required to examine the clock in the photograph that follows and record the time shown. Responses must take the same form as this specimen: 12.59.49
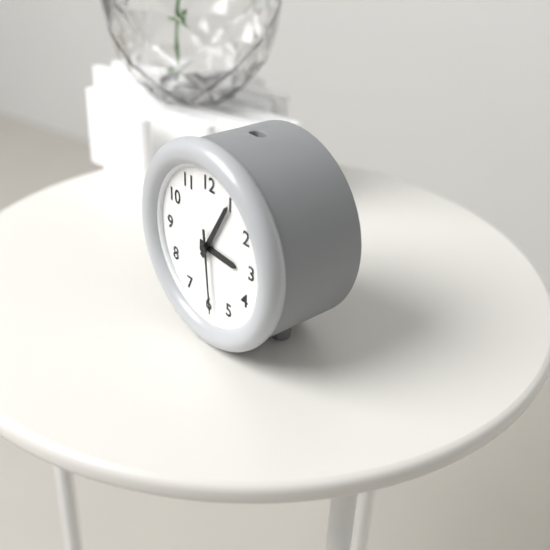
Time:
3.05.29
